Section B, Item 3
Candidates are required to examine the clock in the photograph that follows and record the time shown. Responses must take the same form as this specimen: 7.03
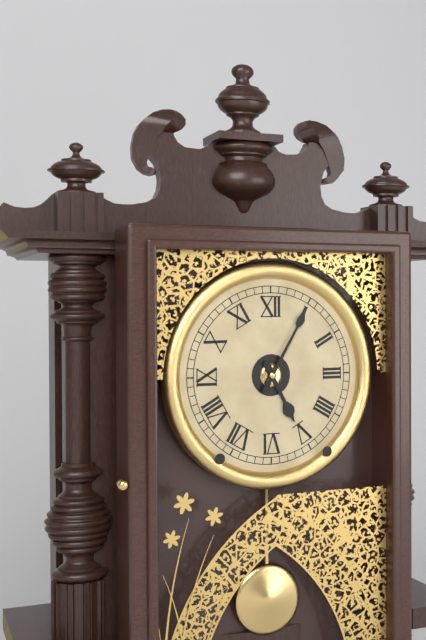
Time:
5.05
